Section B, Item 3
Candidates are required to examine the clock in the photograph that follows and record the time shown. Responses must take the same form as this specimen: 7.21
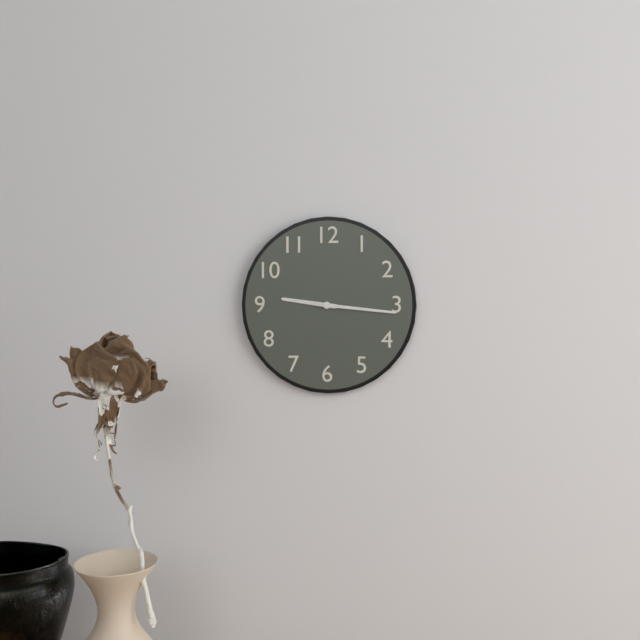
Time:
9.16
